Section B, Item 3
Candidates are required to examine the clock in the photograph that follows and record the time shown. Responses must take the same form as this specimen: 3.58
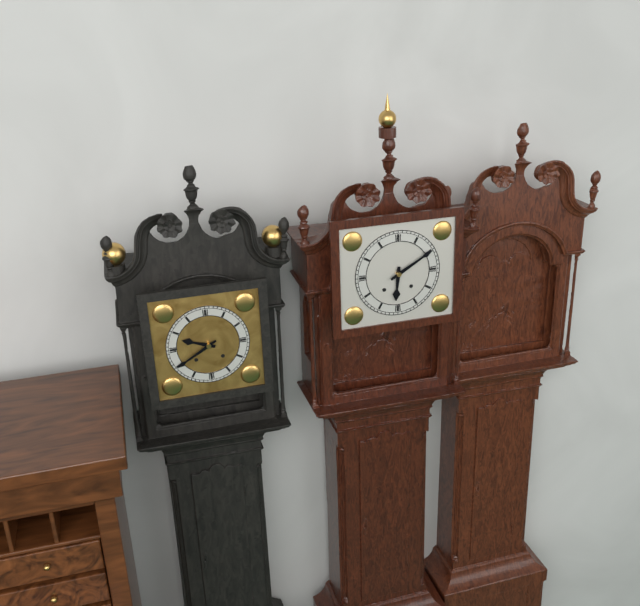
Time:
6.10
